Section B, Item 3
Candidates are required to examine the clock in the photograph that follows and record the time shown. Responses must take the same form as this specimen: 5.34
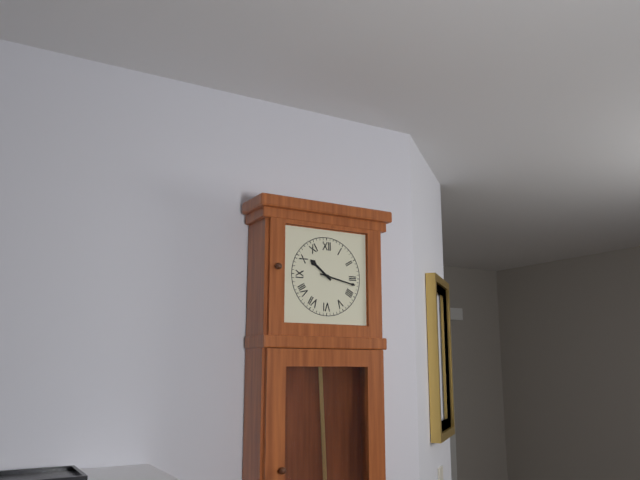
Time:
10.17
